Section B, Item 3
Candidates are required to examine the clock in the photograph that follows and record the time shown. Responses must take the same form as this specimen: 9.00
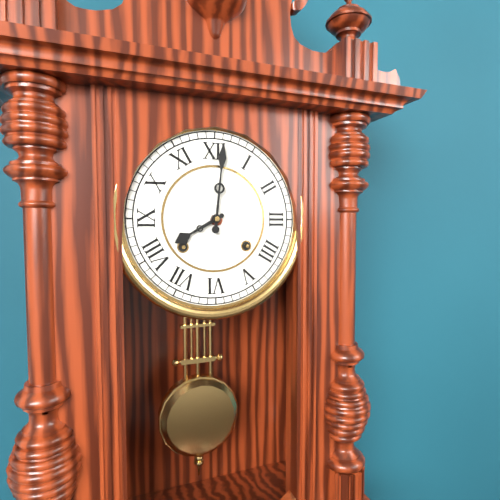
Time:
8.01
